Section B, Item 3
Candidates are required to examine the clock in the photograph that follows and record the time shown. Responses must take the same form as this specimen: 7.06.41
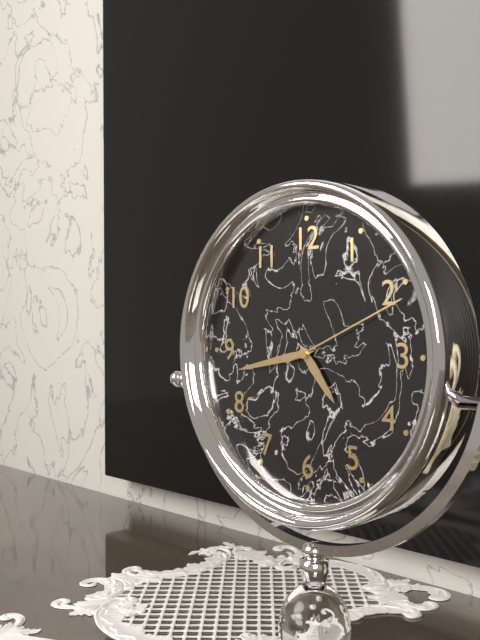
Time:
4.43.11
